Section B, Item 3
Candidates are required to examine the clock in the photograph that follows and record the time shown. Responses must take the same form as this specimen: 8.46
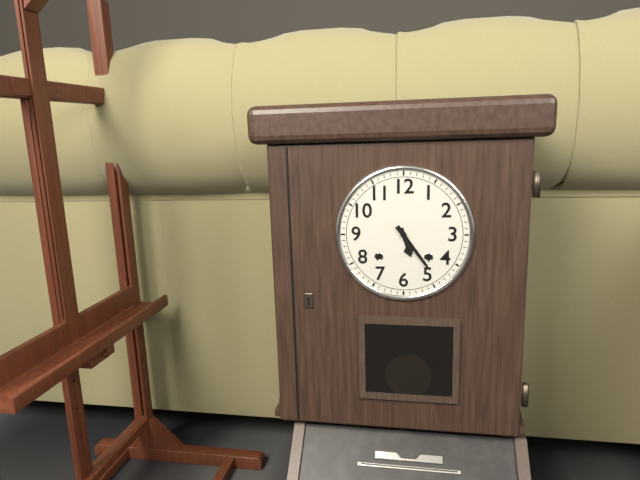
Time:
5.24
